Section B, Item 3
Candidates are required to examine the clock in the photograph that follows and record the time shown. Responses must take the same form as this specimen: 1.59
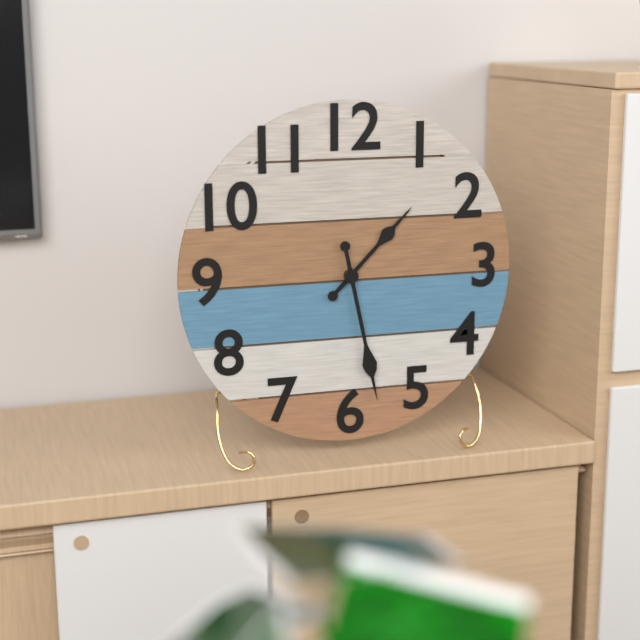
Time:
1.28
